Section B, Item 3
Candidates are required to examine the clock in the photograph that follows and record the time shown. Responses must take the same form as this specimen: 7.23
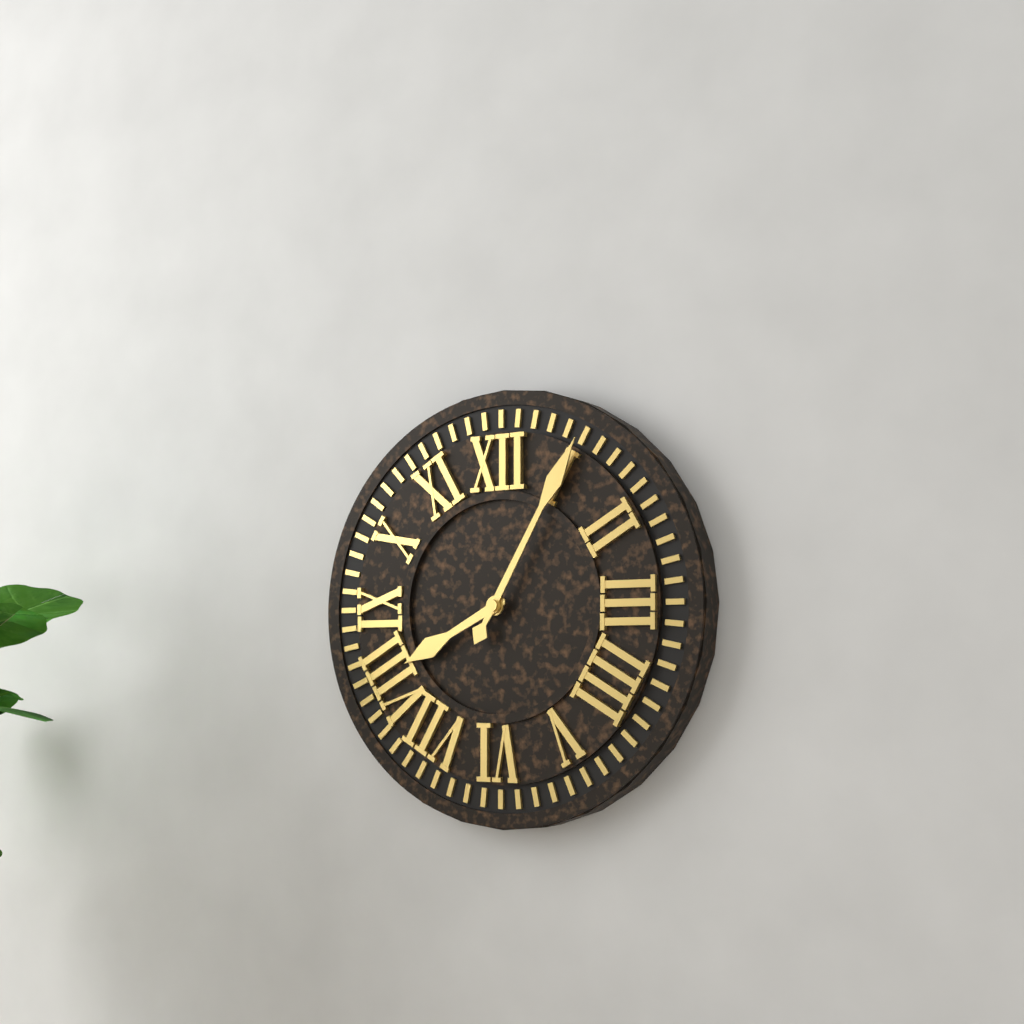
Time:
8.05
